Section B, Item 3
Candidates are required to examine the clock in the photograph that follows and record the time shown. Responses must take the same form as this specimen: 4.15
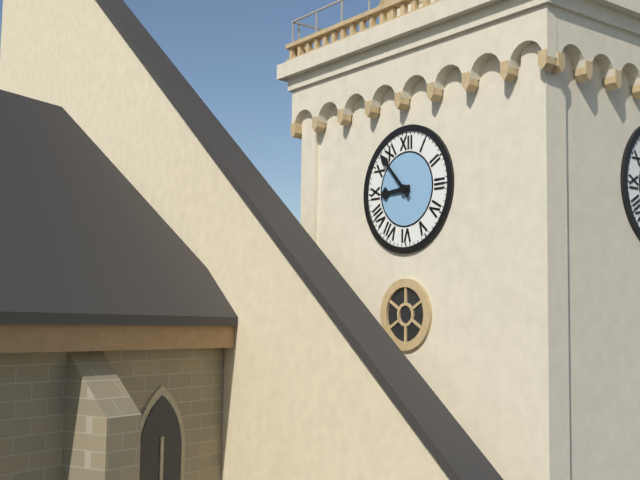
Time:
8.53
